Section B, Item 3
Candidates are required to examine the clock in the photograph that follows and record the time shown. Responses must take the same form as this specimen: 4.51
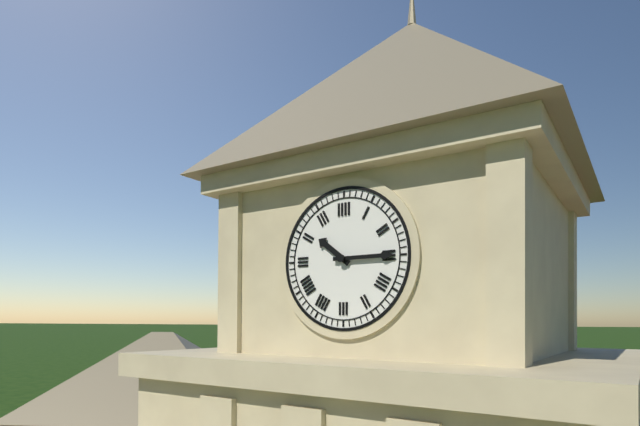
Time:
10.15
